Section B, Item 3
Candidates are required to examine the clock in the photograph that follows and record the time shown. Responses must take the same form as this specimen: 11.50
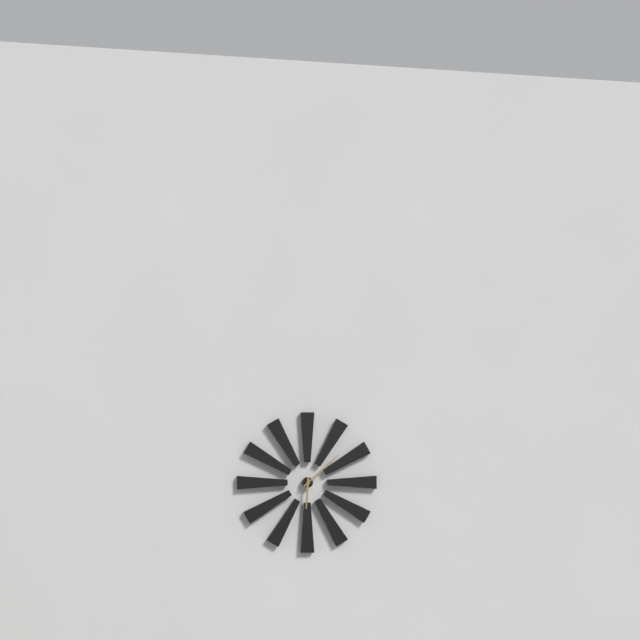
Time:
6.08
